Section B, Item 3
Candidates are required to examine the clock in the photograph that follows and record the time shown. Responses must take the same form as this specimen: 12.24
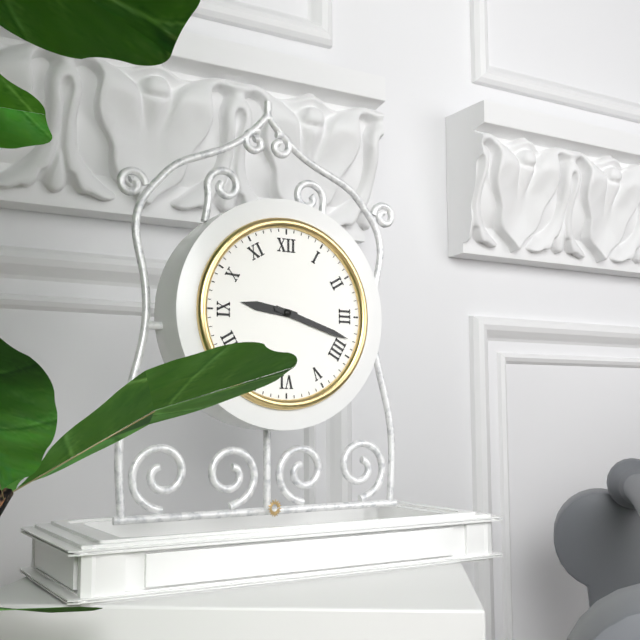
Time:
9.18
